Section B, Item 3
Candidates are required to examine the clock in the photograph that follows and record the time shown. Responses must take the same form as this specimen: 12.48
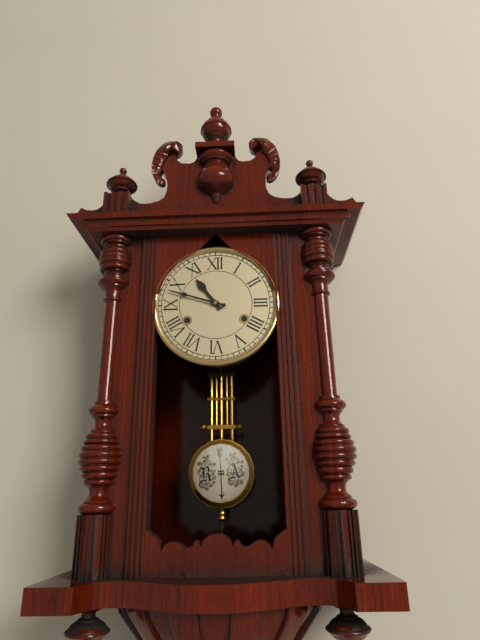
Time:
10.48
